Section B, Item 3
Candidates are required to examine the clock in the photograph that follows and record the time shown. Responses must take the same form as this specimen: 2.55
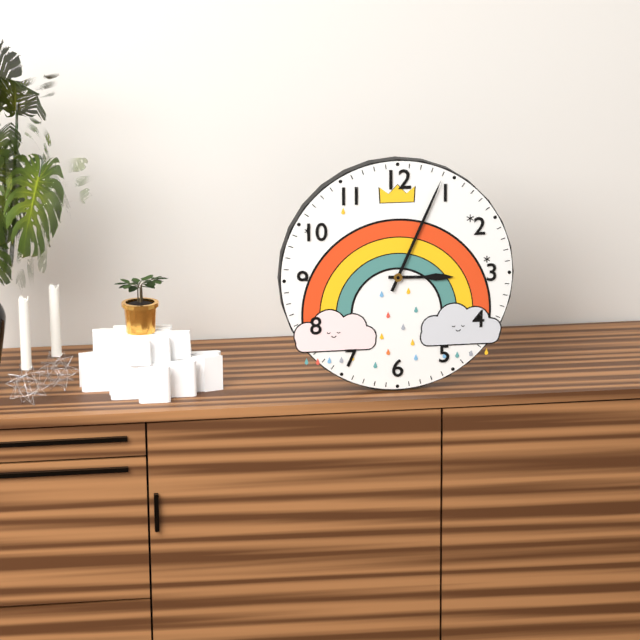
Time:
3.04
